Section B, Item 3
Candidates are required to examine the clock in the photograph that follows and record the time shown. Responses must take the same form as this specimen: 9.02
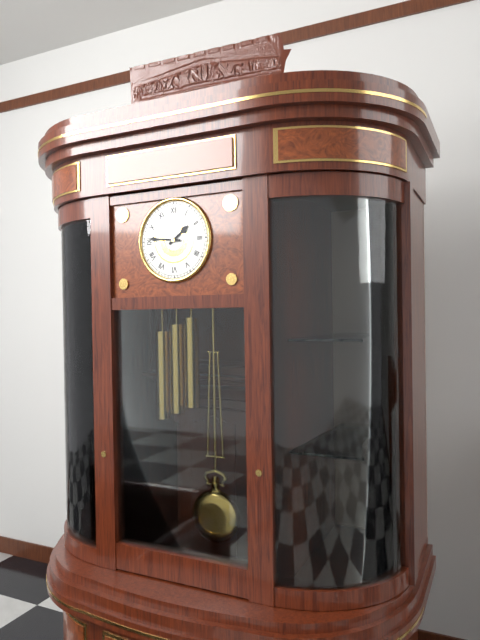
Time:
1.46
